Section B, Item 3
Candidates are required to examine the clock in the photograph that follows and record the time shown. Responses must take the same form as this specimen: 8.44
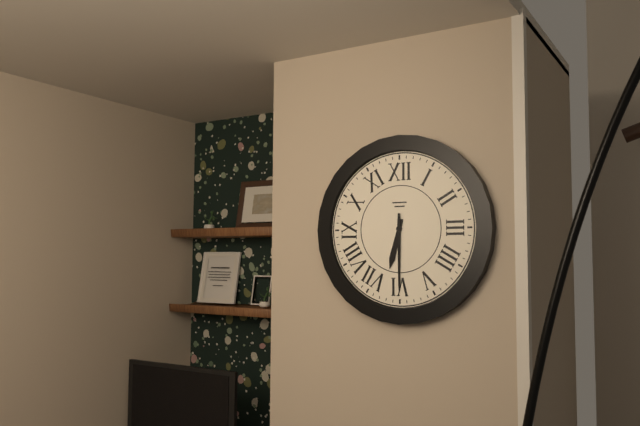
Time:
6.30
